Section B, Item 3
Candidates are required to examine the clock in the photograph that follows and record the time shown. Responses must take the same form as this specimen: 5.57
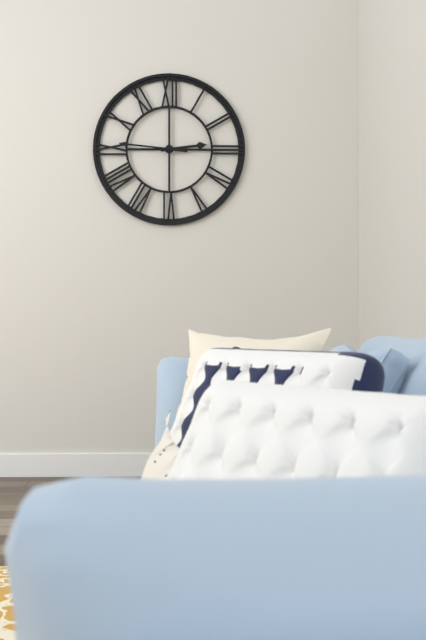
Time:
2.46
